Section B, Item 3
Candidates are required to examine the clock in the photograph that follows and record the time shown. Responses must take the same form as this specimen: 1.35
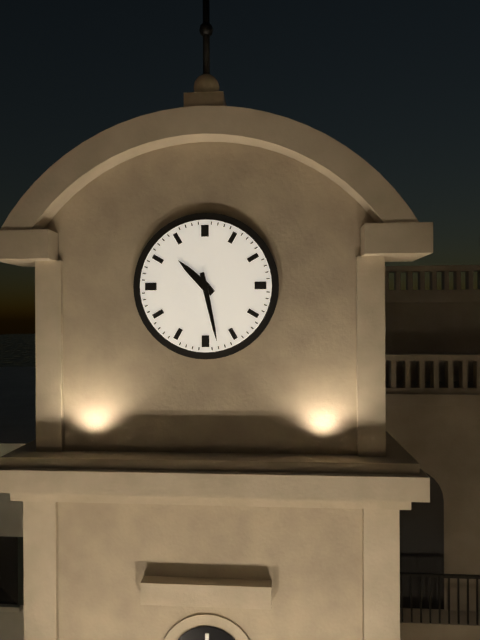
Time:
10.28
